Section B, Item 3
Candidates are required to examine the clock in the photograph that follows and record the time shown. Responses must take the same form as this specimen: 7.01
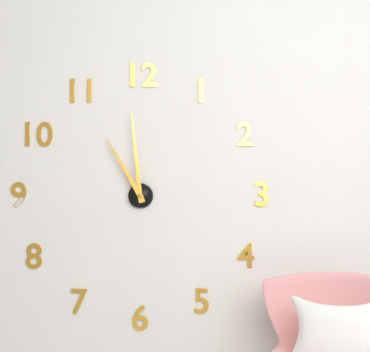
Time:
10.59
